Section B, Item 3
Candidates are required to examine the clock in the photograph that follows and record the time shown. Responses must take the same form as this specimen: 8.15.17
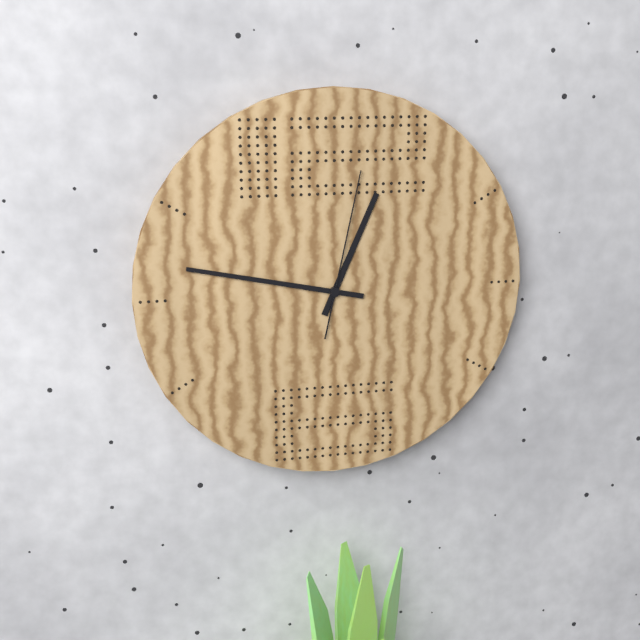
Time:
12.47.02
